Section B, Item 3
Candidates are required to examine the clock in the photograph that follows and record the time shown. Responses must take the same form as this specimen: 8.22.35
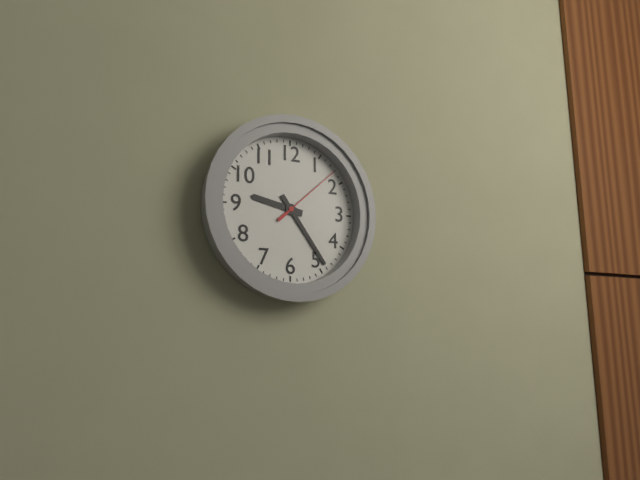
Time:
9.24.08
